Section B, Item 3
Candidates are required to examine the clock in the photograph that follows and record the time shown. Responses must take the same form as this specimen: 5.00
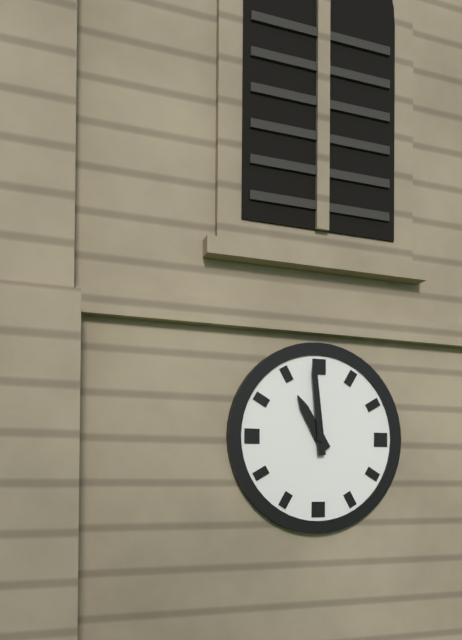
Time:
10.59
